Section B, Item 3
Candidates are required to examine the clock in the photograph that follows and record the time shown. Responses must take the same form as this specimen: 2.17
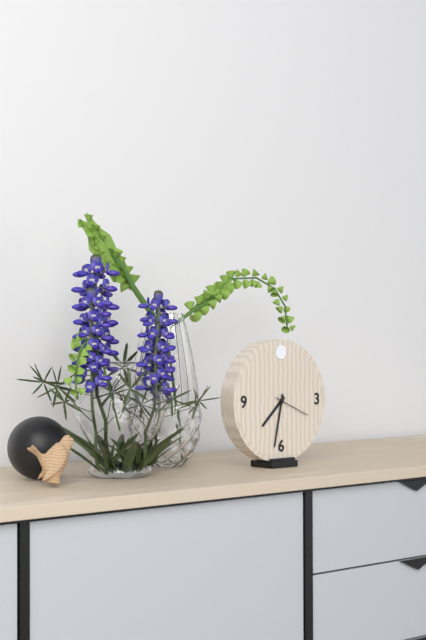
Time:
7.32
